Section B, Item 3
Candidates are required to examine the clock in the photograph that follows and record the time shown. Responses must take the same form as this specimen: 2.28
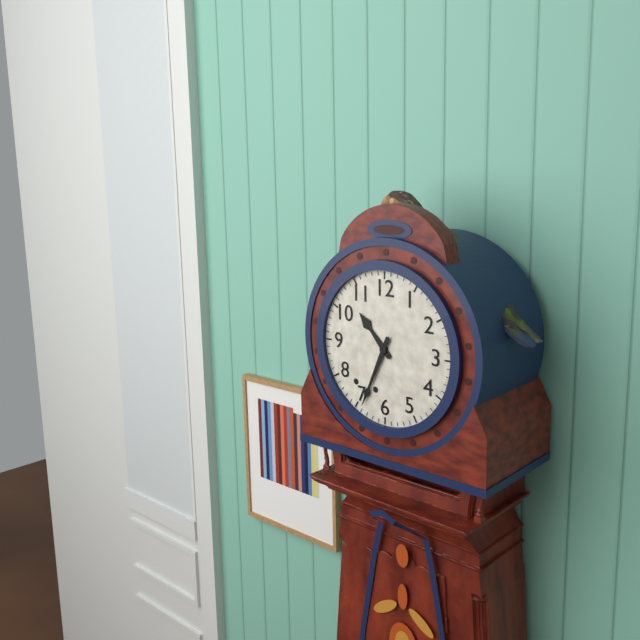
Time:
10.34
